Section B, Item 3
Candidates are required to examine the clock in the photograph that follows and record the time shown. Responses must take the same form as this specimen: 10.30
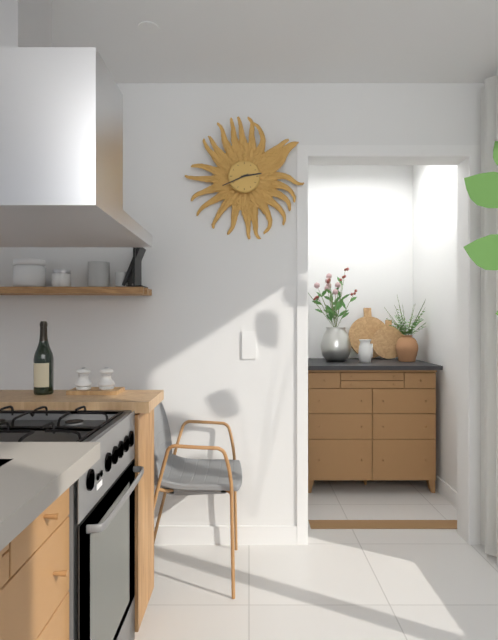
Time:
2.41
